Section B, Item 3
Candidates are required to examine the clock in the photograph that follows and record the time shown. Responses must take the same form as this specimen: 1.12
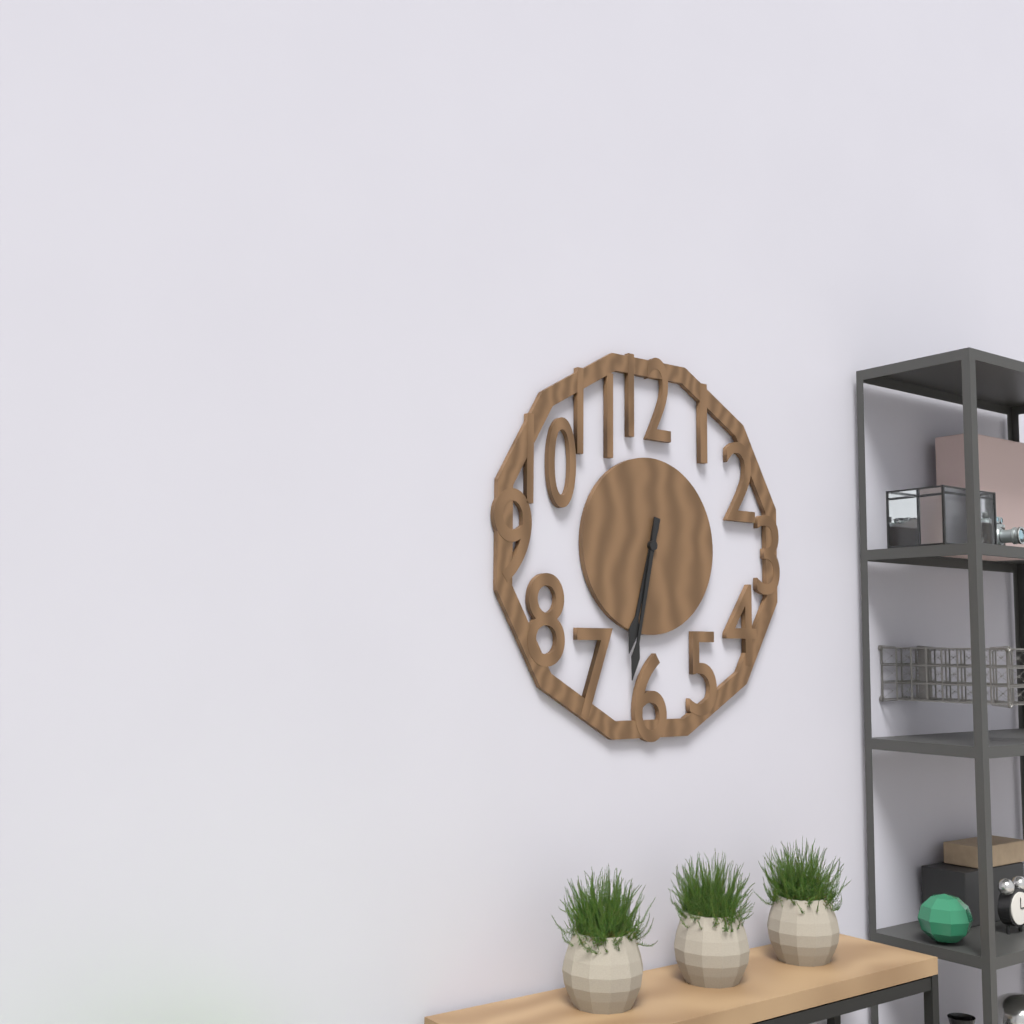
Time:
6.32
